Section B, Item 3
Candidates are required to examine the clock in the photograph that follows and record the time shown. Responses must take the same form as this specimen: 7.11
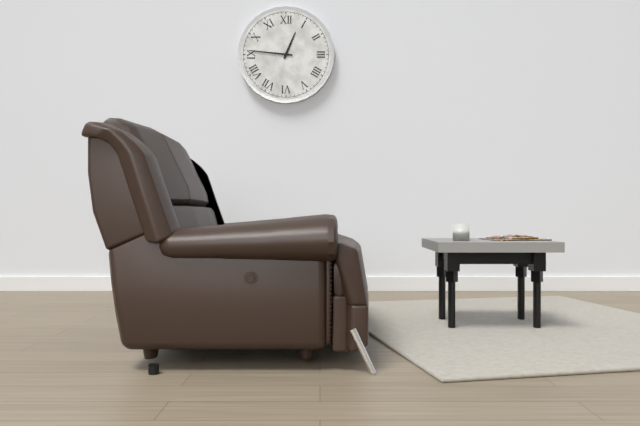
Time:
12.46
